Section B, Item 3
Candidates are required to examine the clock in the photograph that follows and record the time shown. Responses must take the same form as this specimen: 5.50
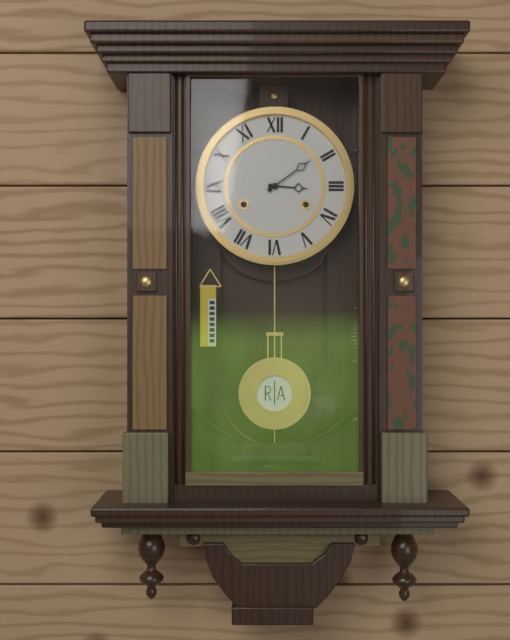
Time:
3.09
